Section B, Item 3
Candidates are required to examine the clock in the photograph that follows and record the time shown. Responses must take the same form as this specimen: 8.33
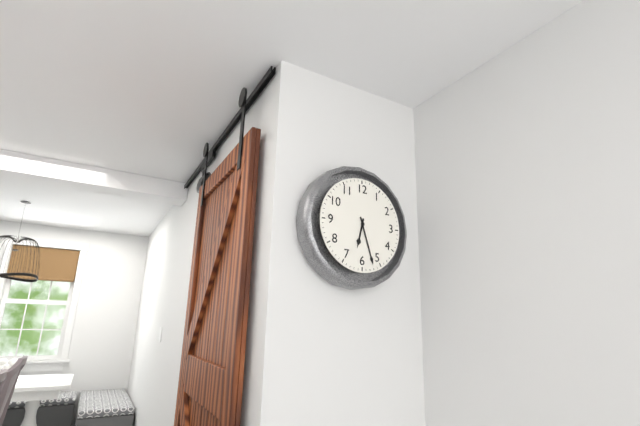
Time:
6.27
